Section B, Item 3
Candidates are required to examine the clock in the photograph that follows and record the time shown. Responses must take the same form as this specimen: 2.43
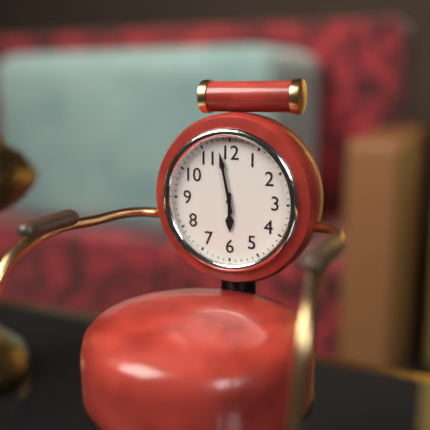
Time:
5.58
